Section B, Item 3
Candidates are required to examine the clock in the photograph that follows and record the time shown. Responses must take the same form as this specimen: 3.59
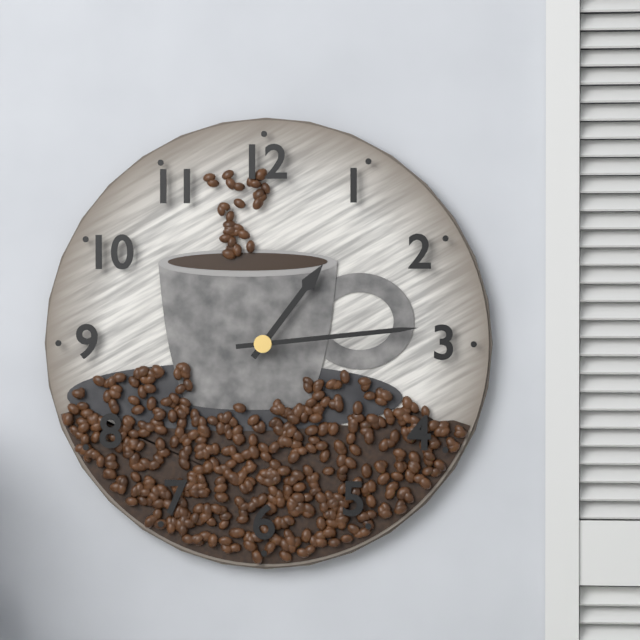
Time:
1.14
